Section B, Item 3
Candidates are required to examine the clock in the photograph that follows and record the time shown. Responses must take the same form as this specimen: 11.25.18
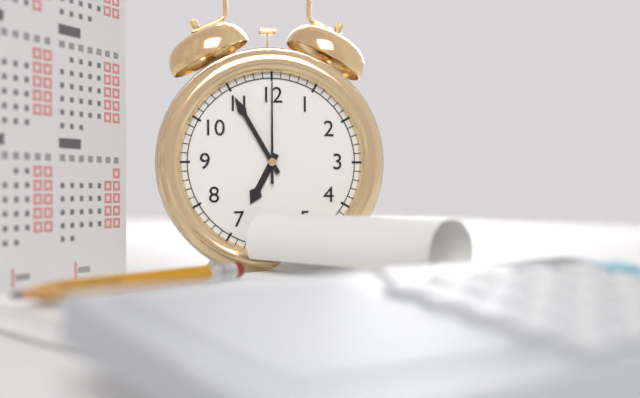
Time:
6.55.00
